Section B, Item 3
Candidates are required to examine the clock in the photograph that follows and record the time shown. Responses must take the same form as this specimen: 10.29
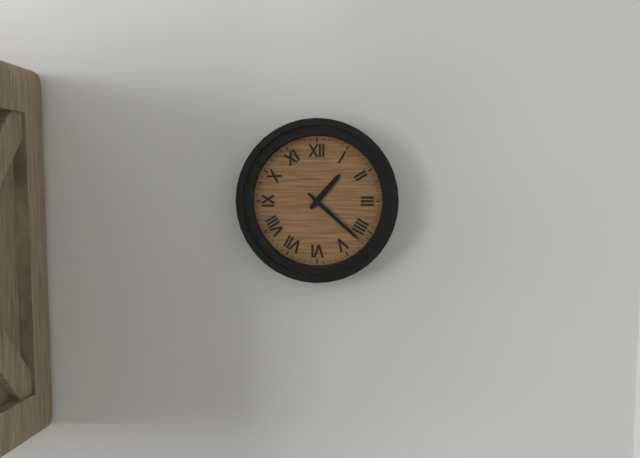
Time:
1.22
